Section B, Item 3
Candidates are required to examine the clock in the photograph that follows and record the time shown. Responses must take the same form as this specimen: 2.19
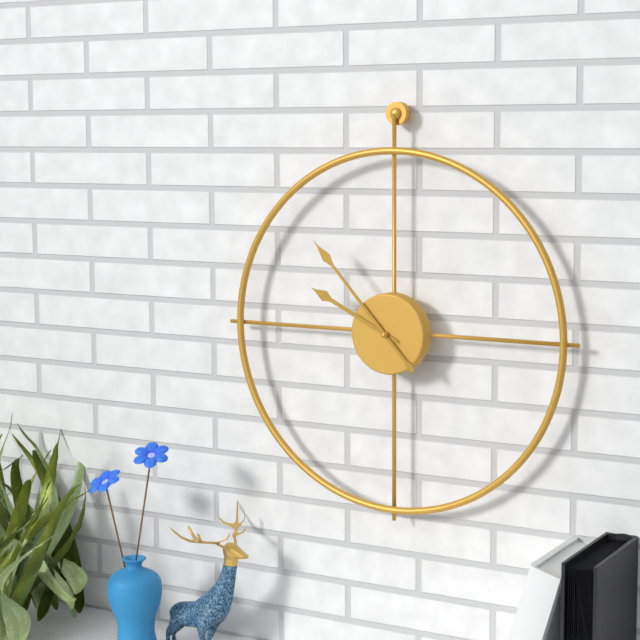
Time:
9.53
